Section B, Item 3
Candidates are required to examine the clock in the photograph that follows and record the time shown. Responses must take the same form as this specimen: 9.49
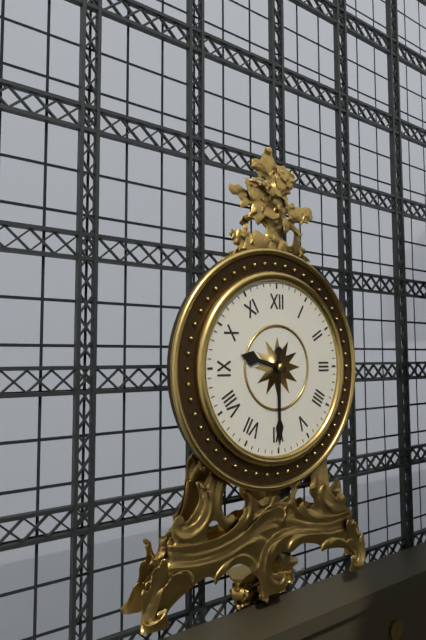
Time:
9.30
